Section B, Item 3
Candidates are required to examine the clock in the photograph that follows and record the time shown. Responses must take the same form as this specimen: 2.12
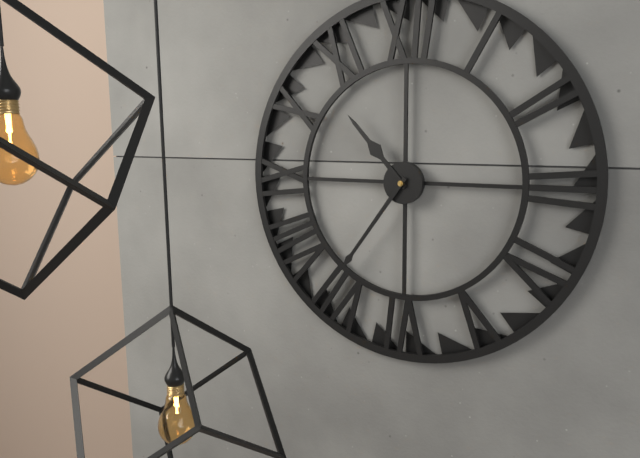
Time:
10.36
